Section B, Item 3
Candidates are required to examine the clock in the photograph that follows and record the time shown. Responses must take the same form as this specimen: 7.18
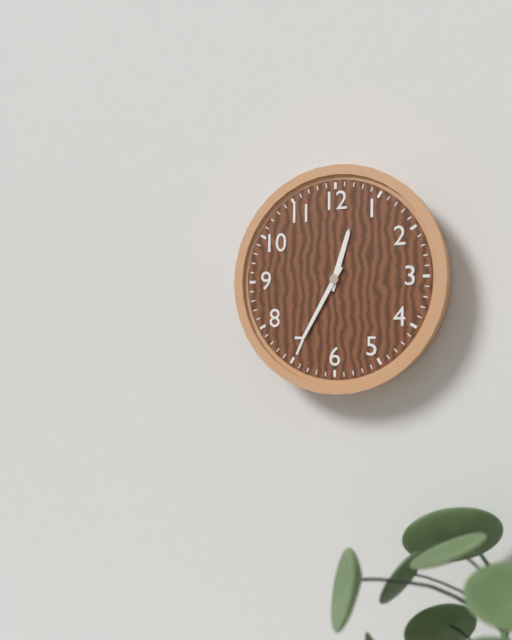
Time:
12.35
